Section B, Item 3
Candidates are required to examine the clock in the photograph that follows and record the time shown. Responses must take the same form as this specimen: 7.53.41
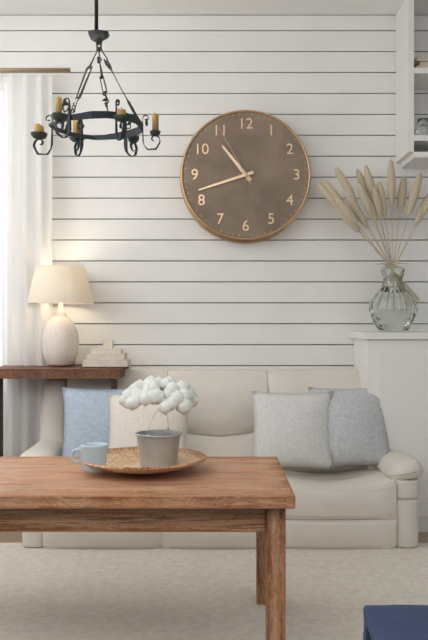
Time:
10.42.55
